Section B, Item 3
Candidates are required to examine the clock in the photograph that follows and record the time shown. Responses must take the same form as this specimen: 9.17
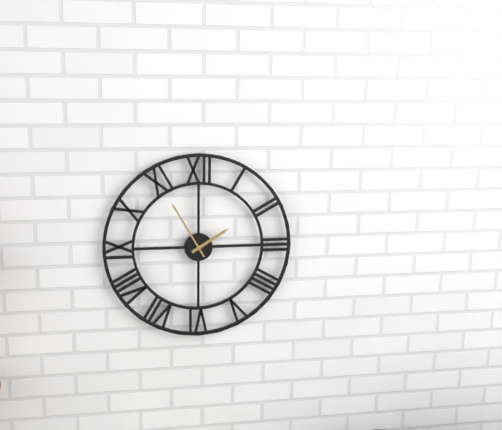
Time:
1.55
